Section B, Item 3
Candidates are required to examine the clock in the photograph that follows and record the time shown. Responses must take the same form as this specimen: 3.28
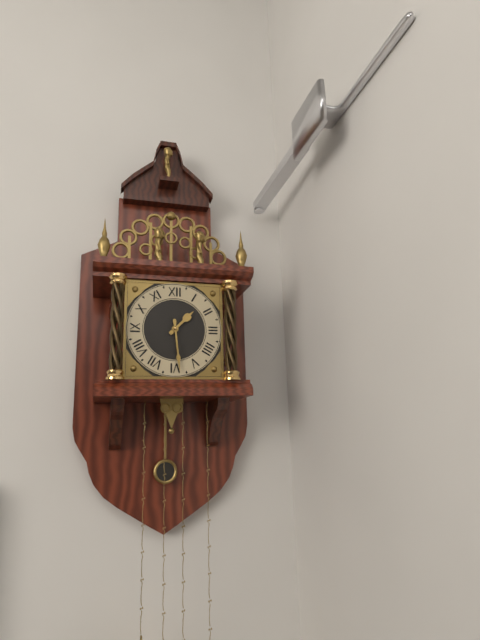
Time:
1.29
